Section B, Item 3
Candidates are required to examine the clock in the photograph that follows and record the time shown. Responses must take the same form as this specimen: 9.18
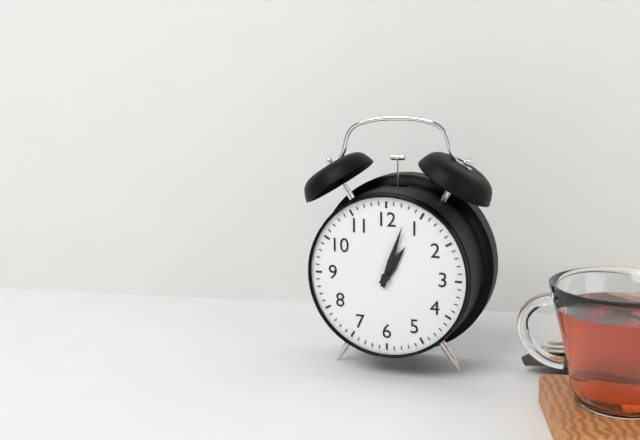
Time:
1.03
